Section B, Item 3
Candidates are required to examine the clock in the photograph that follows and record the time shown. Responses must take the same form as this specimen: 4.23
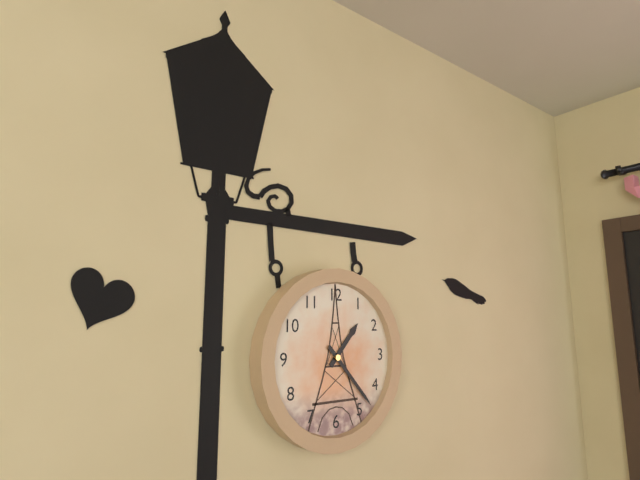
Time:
1.23
